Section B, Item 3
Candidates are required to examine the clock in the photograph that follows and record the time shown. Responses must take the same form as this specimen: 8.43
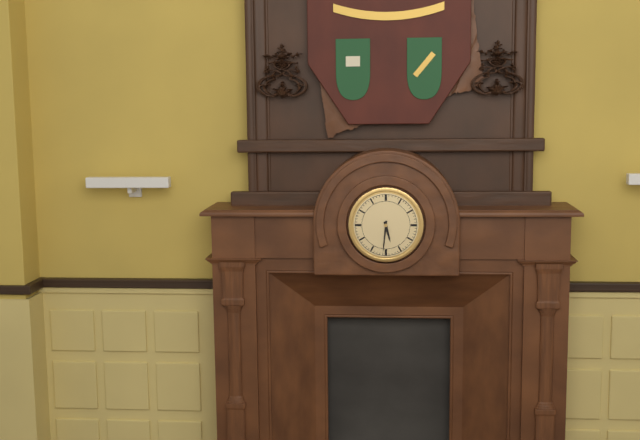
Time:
5.31
